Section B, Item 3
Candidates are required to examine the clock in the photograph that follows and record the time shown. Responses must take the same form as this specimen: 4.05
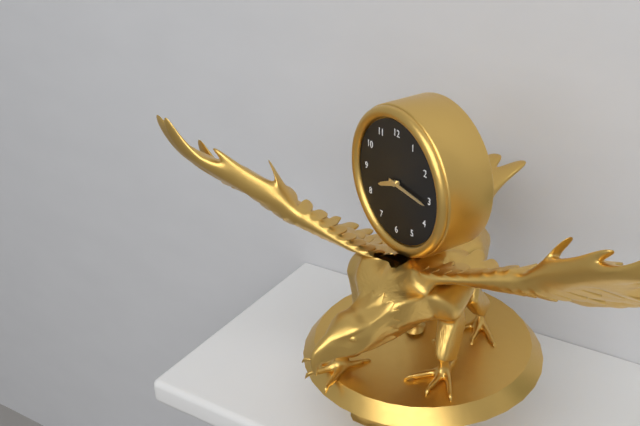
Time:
8.16
